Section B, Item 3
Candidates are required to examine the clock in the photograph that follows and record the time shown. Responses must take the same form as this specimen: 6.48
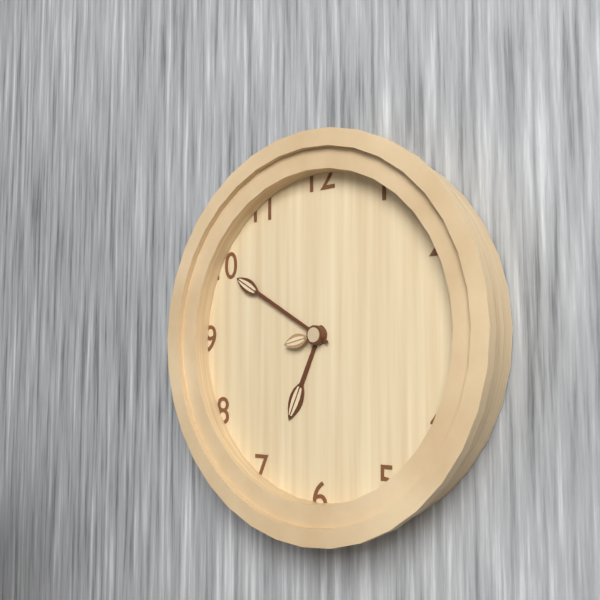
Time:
6.50
